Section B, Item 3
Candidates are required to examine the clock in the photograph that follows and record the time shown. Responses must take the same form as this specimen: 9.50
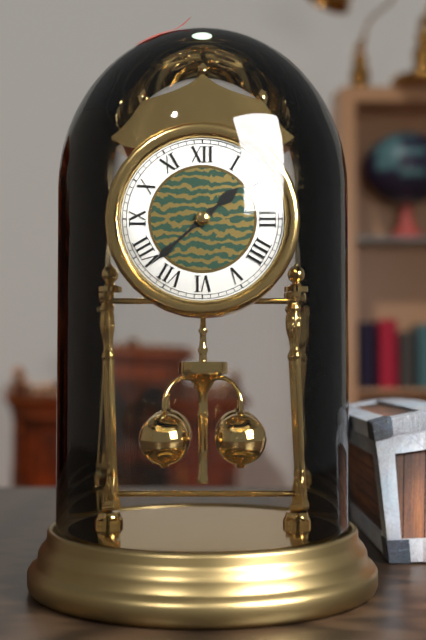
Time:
1.38
